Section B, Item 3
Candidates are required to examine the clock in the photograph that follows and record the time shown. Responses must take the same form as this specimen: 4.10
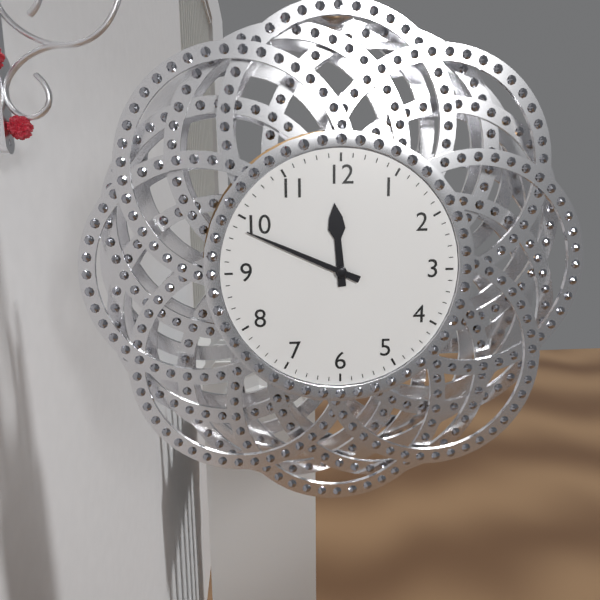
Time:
11.49
